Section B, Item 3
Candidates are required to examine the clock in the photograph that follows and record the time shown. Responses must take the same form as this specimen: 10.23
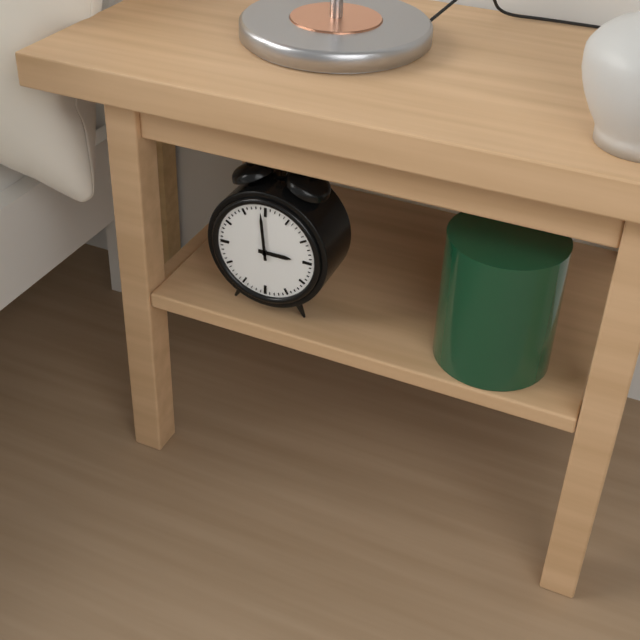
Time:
2.59
